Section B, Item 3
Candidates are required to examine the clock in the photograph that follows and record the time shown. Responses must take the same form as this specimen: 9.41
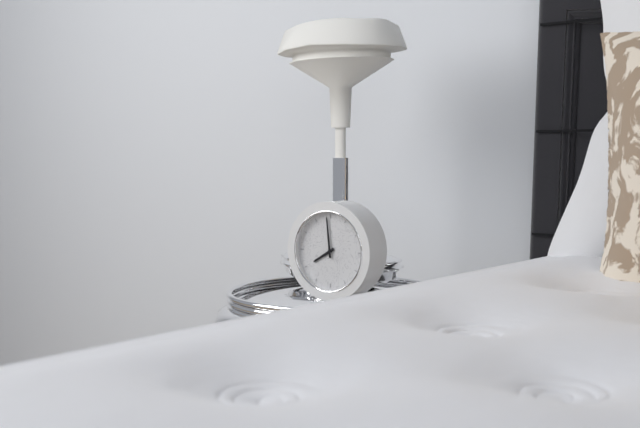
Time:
7.59
